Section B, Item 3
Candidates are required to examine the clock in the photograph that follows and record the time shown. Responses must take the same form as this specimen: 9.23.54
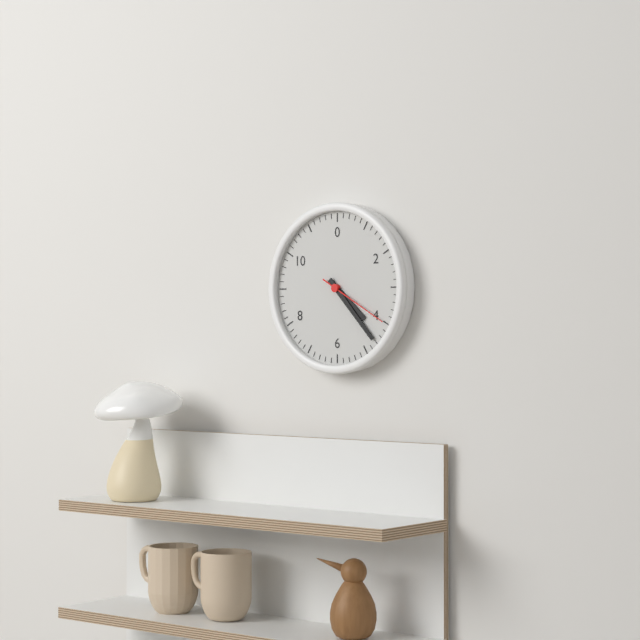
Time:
4.23.20
